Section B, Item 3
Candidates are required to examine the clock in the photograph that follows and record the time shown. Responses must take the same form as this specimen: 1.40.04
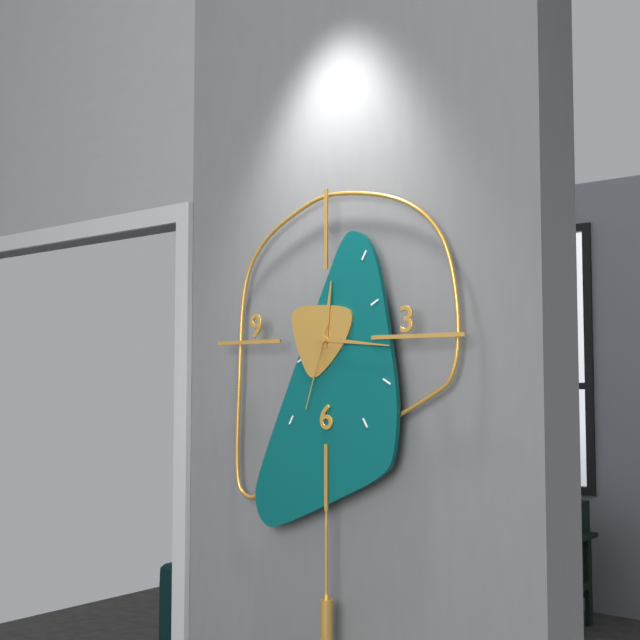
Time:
12.16.33
